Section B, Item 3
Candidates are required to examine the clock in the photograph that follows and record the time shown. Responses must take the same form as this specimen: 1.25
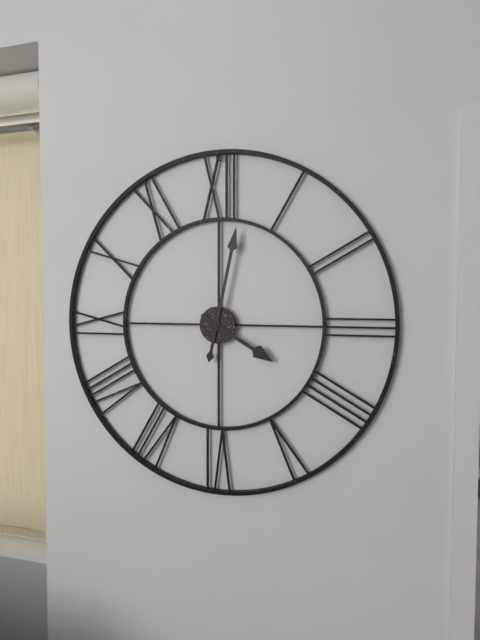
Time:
4.02
